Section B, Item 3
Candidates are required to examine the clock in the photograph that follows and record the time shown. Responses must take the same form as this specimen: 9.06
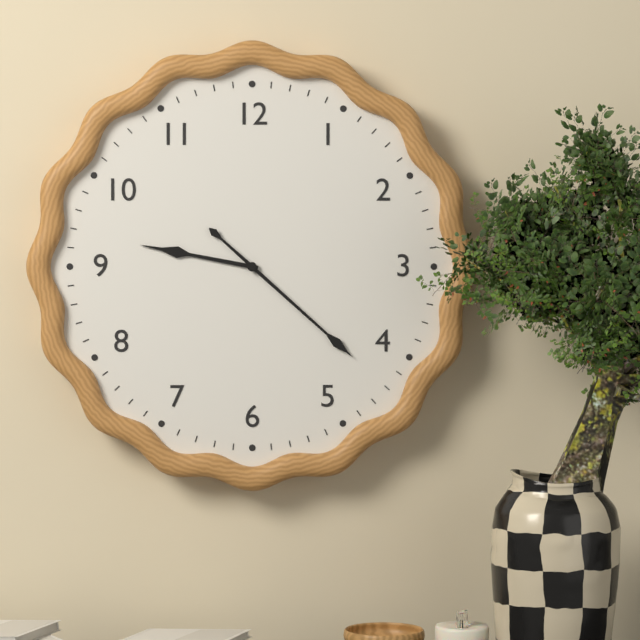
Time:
9.22
